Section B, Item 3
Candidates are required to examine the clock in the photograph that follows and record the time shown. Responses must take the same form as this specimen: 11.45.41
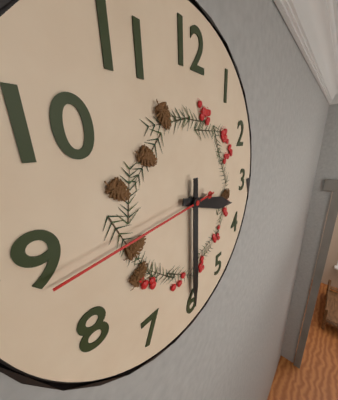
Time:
3.30.44
